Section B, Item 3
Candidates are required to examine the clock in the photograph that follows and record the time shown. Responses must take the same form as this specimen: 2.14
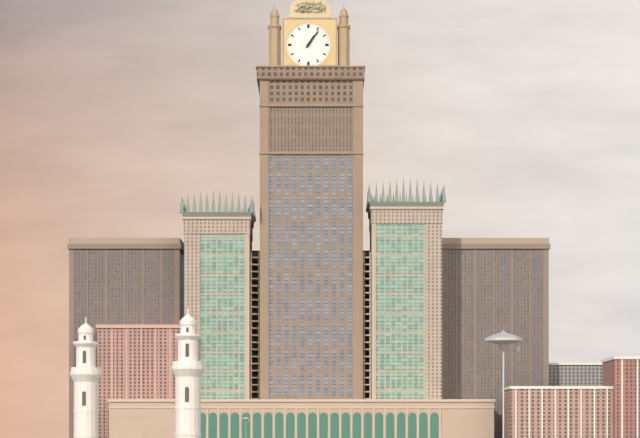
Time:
1.06
